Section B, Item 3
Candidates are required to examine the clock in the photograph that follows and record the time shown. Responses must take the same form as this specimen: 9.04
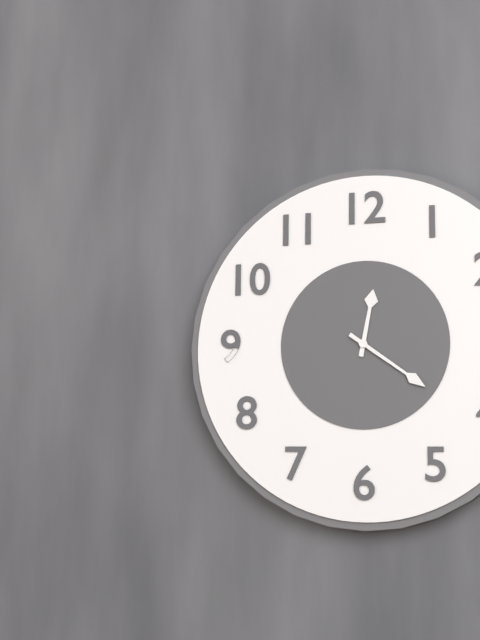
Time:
12.21
